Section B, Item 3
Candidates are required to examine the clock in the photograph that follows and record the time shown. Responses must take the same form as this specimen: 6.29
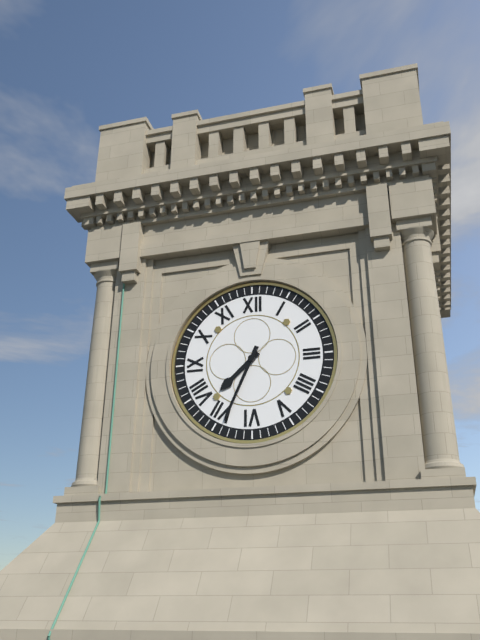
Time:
7.34
